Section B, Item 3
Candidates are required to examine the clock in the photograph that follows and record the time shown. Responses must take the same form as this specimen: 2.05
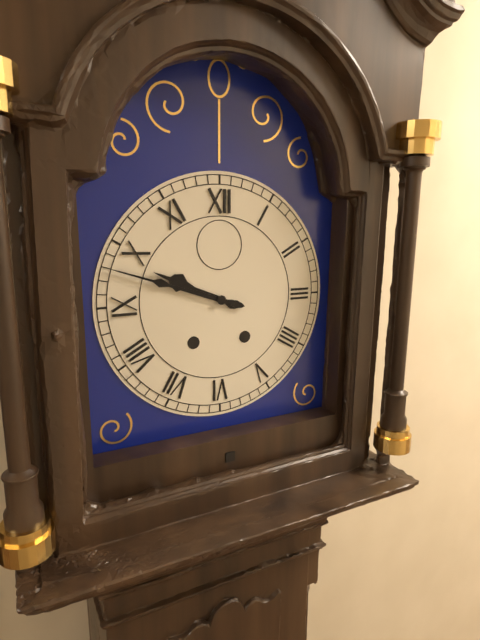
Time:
9.48
